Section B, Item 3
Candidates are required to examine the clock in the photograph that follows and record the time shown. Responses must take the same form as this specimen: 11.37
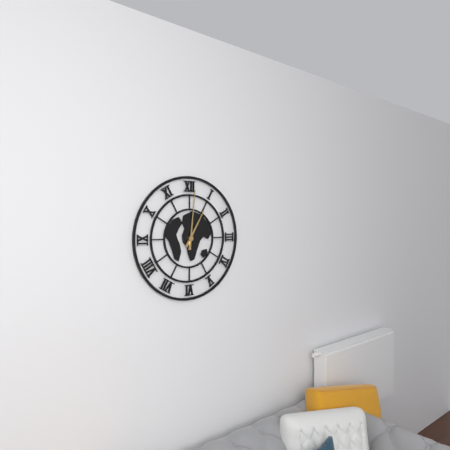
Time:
1.01
